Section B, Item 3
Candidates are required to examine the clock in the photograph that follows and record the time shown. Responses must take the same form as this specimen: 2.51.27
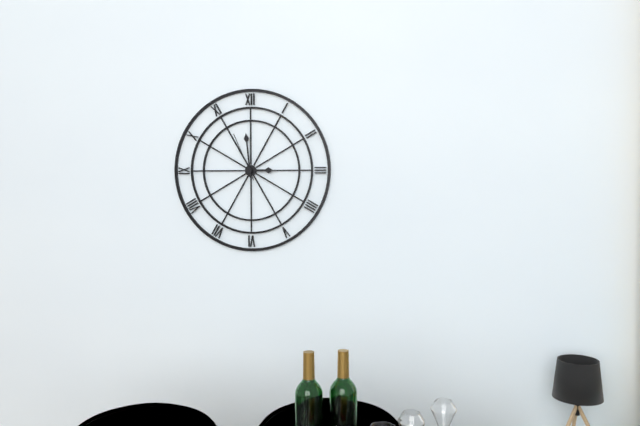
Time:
2.59.56
